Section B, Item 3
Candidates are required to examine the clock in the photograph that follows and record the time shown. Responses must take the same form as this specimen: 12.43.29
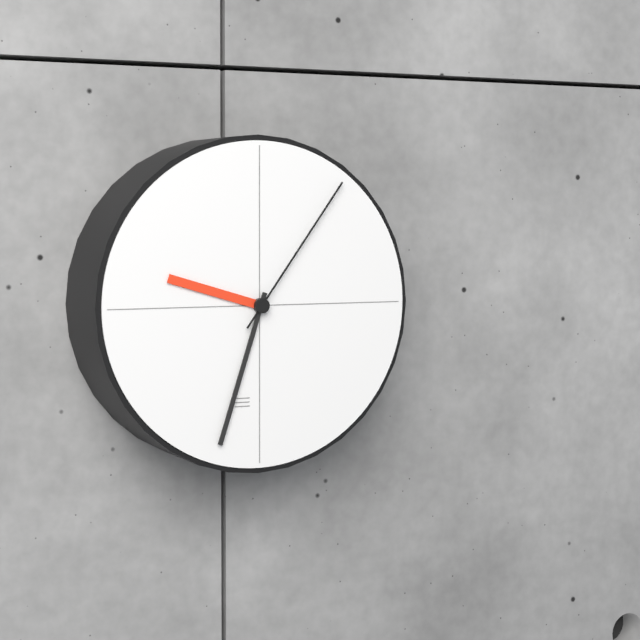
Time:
9.33.06
